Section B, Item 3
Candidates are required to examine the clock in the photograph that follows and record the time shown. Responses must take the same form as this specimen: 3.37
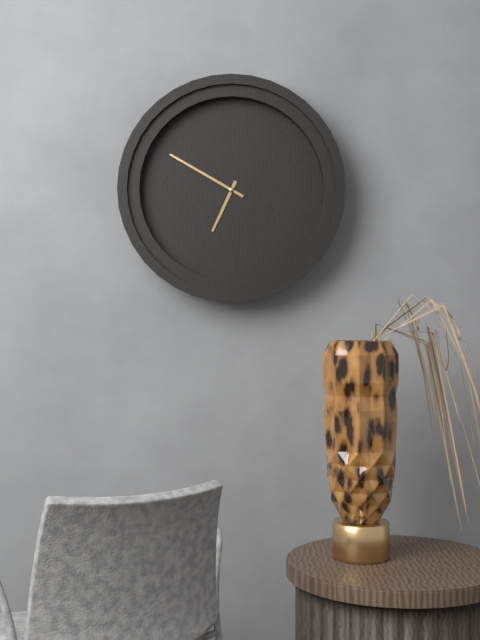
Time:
6.50
